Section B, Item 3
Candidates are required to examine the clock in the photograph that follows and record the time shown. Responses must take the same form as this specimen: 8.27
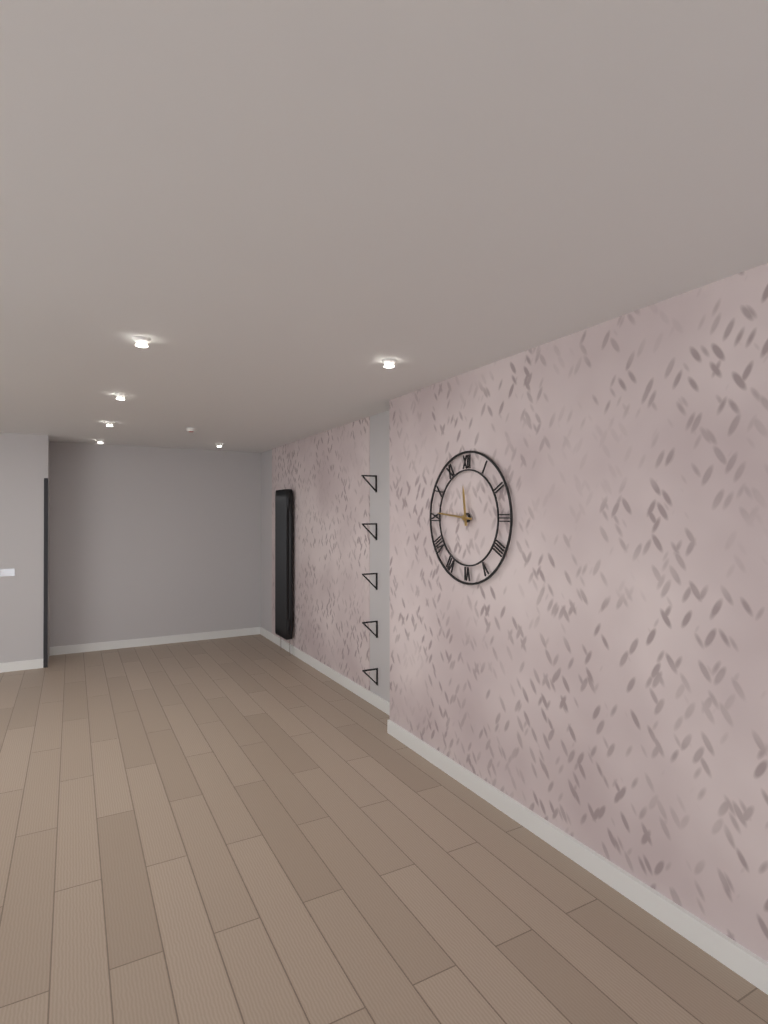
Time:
11.46
